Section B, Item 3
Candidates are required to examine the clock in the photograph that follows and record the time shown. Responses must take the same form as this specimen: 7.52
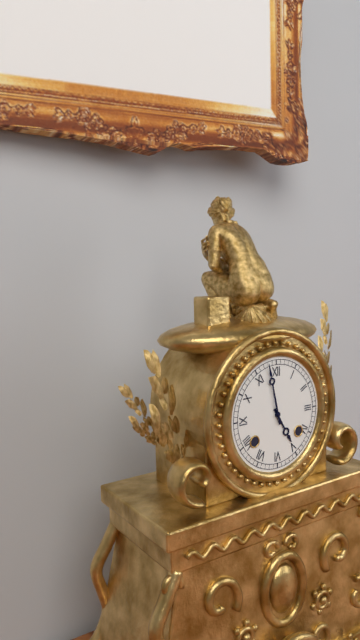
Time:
4.58
